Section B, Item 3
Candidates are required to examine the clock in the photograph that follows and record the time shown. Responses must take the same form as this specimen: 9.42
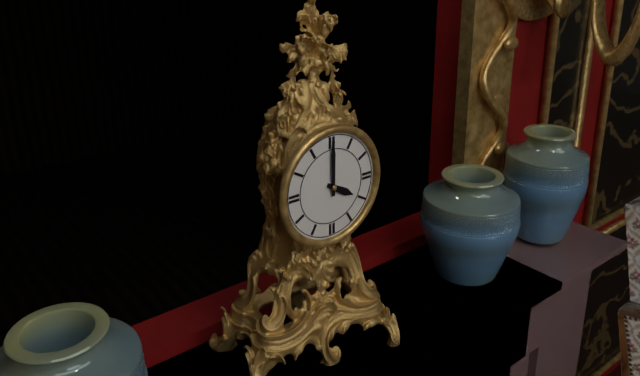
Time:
4.00
